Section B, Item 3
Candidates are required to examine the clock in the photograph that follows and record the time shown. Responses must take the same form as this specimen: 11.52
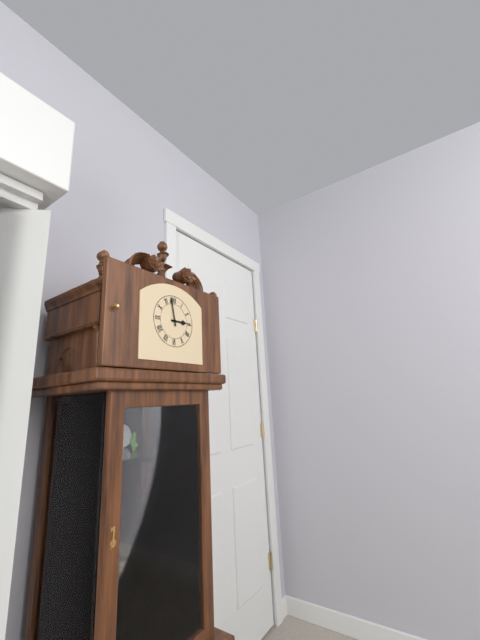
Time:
2.58
